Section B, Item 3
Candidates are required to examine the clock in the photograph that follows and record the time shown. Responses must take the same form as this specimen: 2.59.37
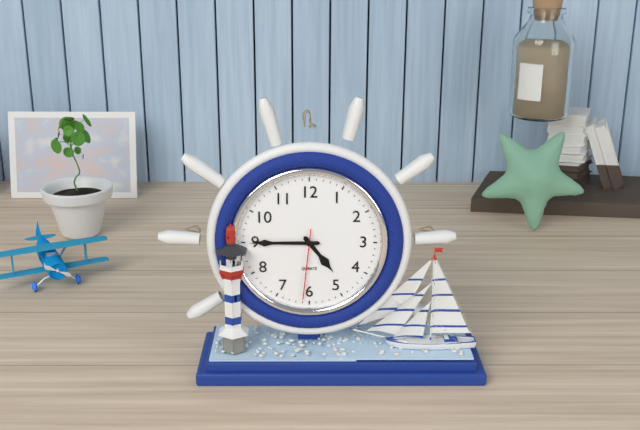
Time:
4.45.31
